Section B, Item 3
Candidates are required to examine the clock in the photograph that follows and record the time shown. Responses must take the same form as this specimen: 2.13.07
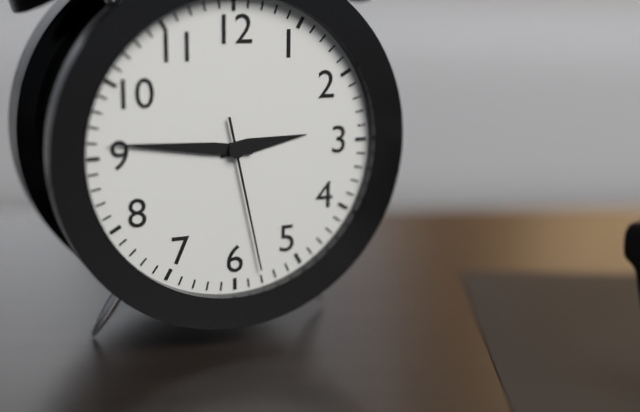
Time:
2.46.28
